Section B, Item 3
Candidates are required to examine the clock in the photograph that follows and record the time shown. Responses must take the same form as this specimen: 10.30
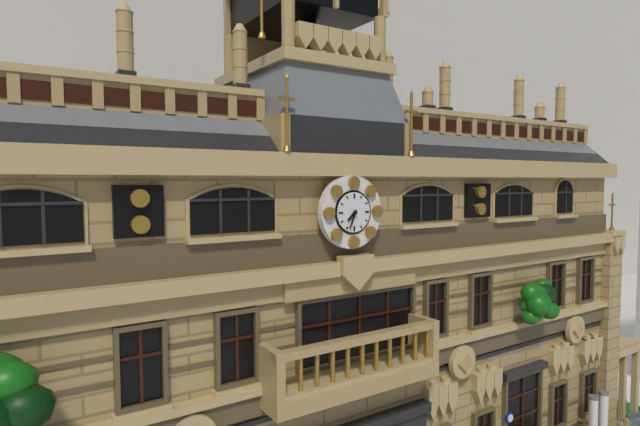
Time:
7.34
